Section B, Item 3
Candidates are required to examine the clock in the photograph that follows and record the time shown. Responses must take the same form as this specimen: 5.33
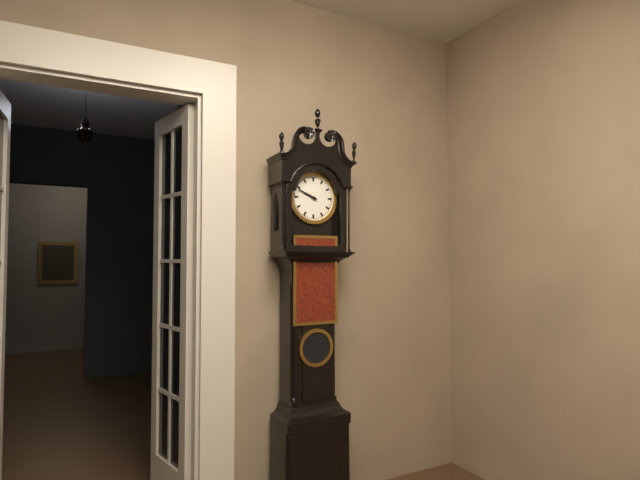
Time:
9.49
